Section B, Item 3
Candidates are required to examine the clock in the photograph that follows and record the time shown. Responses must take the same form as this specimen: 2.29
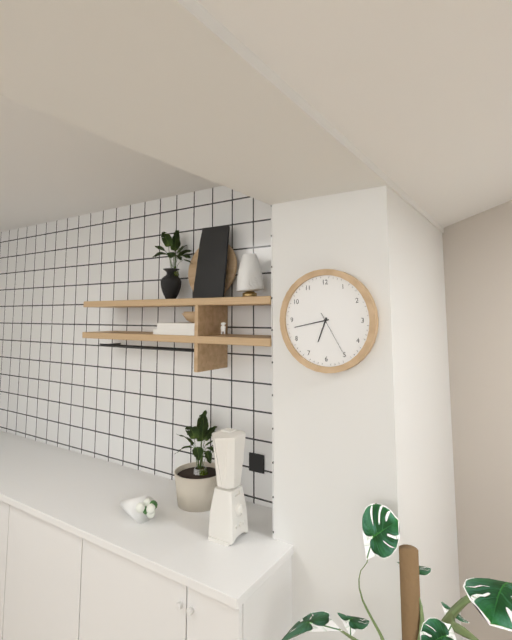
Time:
6.43
